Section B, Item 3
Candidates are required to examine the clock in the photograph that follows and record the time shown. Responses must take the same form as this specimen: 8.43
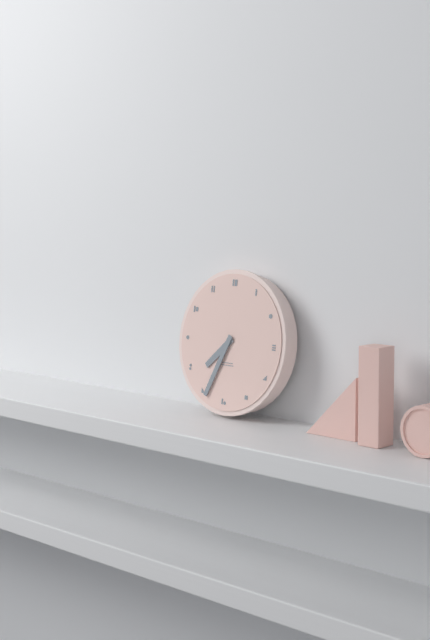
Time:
7.34
